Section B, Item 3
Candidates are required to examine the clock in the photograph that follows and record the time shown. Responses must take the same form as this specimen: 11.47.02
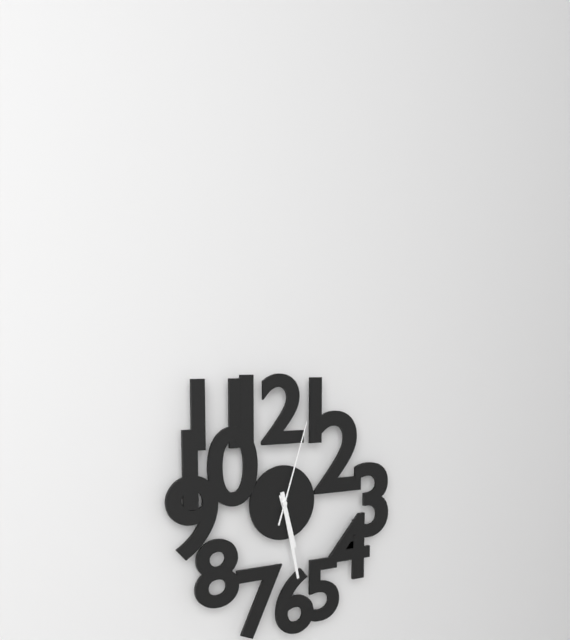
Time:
5.28.03
